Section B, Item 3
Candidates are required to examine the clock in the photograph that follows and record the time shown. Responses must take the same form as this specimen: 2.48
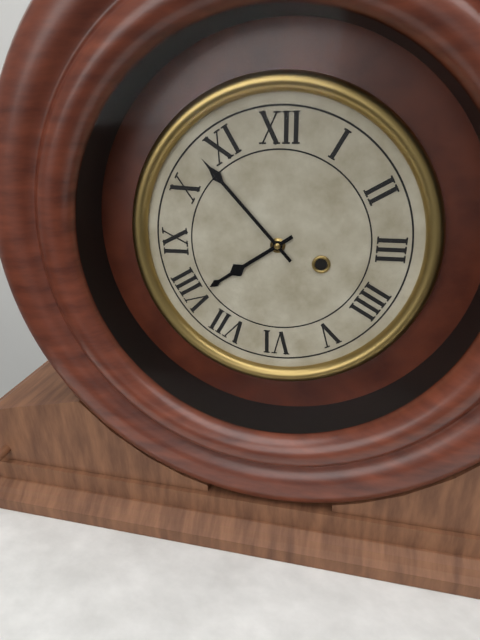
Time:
7.53
